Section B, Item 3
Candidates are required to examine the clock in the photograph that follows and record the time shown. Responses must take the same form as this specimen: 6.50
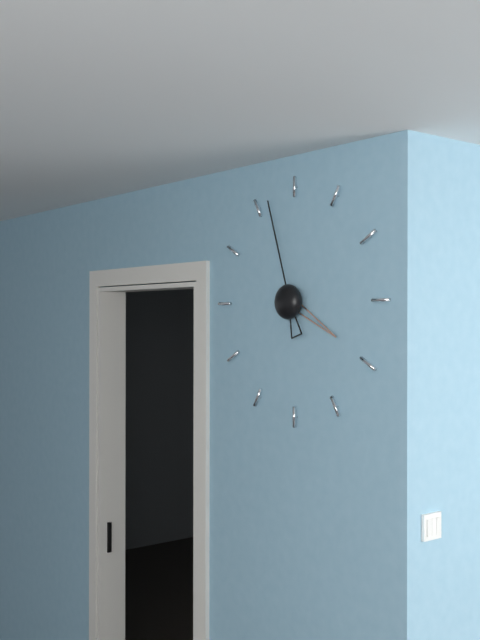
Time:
3.57
